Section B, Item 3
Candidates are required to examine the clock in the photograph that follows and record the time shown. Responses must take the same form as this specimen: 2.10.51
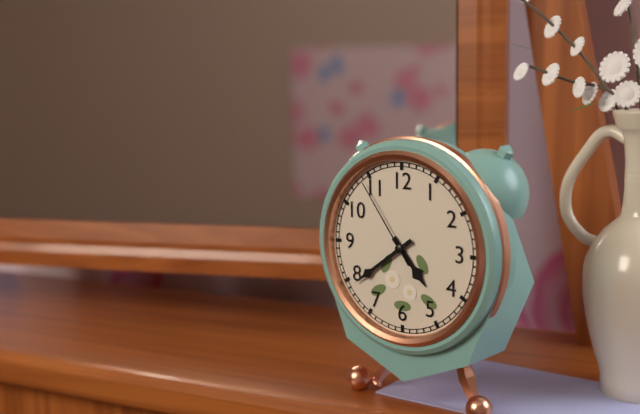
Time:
4.39.54
